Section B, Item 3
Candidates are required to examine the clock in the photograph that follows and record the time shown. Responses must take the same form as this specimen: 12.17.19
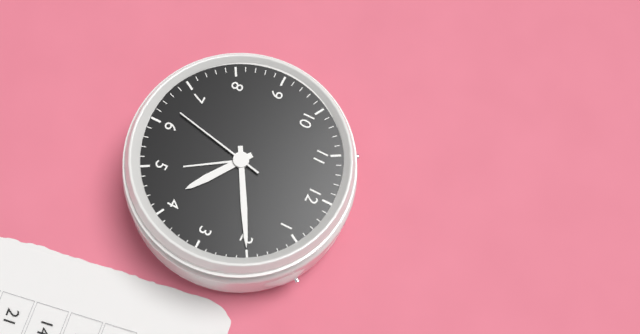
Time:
4.10.32
